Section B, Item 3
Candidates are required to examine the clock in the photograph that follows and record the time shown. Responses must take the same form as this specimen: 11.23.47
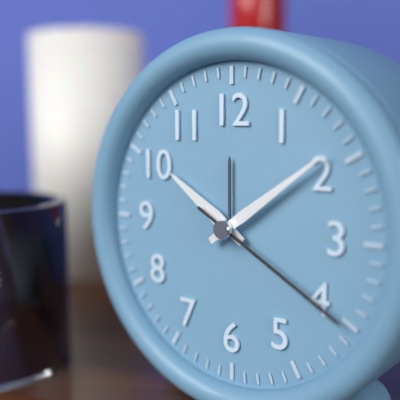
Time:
10.09.20
